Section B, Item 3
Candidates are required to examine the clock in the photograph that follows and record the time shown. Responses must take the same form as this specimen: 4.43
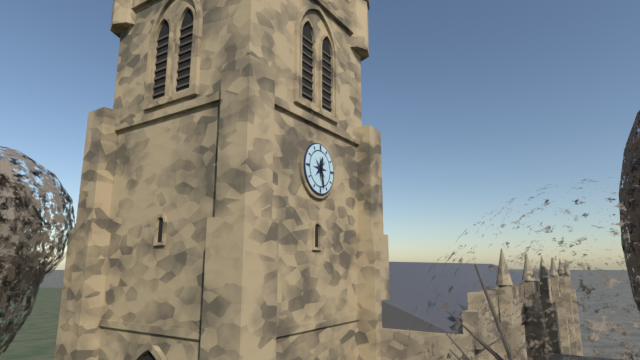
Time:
12.28
